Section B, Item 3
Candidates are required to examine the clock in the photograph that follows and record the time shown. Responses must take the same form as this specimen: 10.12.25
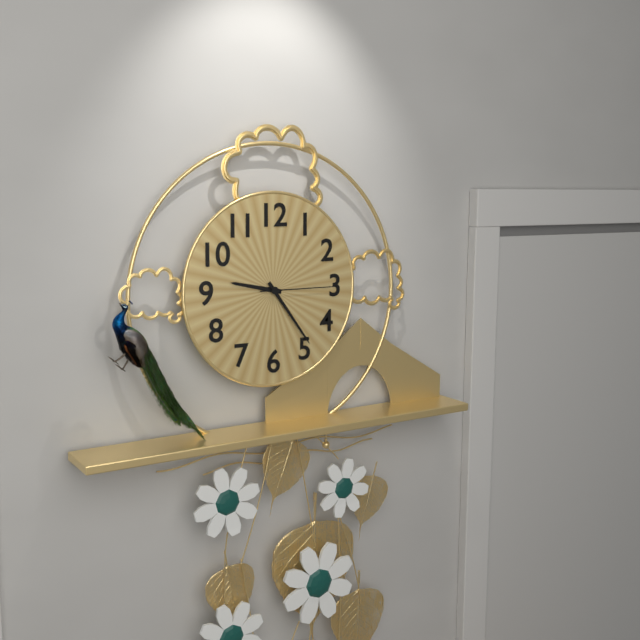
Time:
9.24.15
